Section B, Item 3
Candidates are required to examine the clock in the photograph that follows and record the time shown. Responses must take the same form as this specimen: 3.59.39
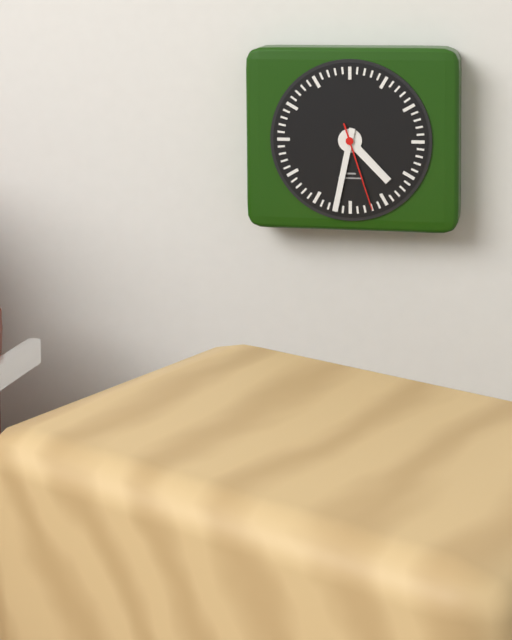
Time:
4.32.27
